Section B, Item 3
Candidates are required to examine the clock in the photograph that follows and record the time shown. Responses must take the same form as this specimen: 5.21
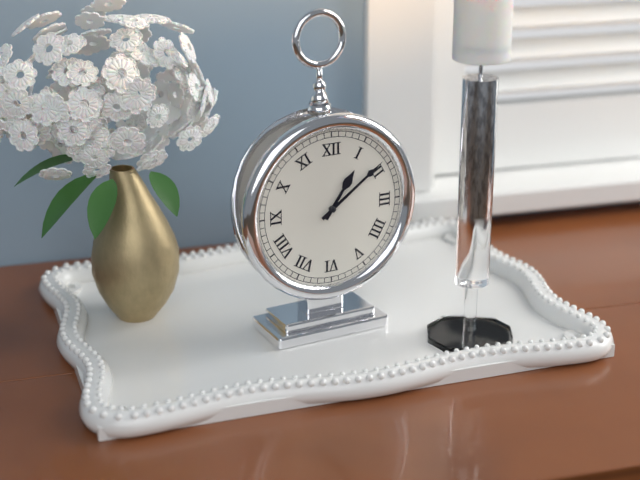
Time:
1.09
